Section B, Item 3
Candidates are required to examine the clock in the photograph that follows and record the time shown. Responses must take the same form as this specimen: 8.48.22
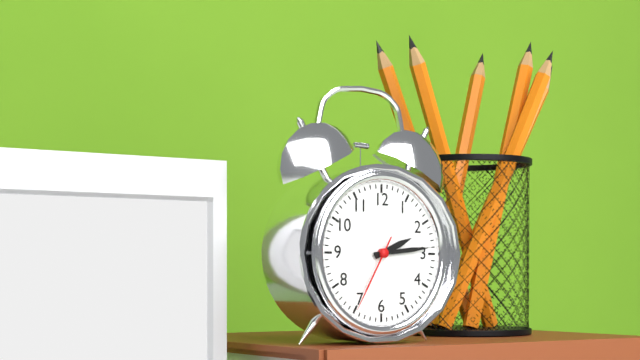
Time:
2.14.35
